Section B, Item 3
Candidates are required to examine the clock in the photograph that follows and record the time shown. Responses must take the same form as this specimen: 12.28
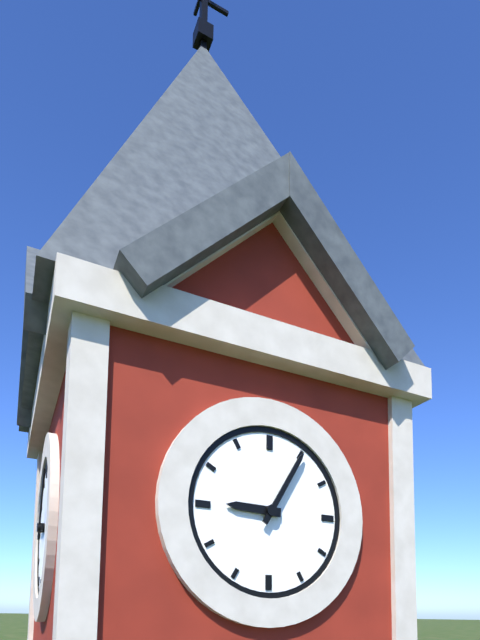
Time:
9.05
